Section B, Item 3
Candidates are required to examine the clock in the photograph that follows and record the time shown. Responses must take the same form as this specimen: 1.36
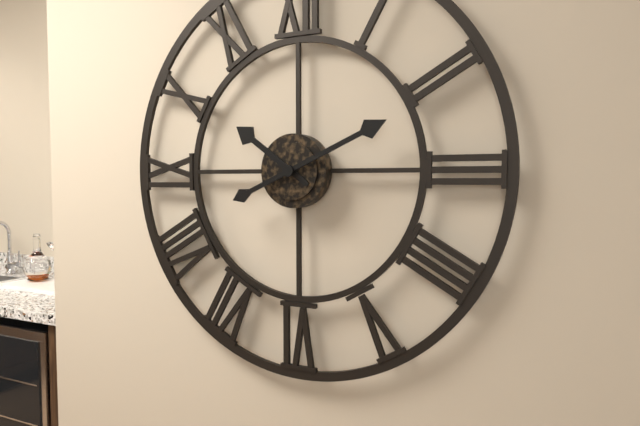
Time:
10.11
